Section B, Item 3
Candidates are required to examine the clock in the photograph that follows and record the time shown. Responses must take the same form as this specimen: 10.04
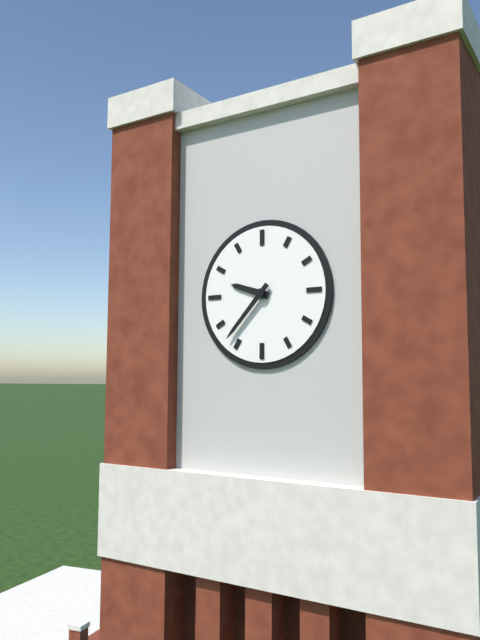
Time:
9.37
